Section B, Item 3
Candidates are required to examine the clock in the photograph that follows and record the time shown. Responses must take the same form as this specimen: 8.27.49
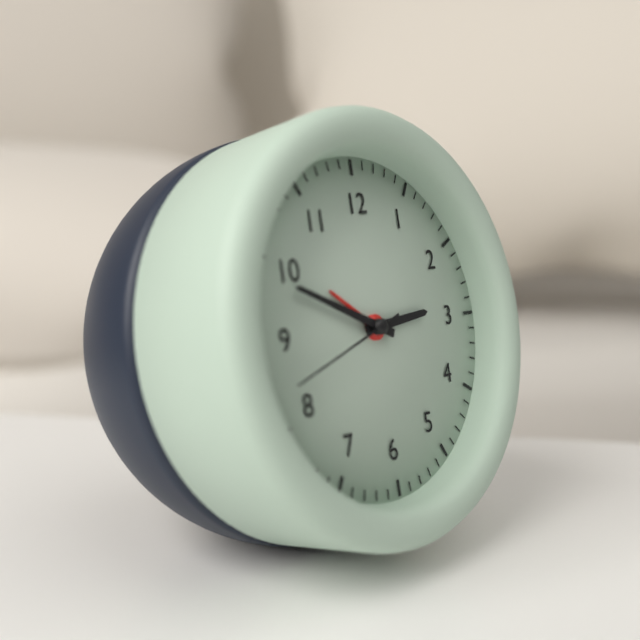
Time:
2.49.42
